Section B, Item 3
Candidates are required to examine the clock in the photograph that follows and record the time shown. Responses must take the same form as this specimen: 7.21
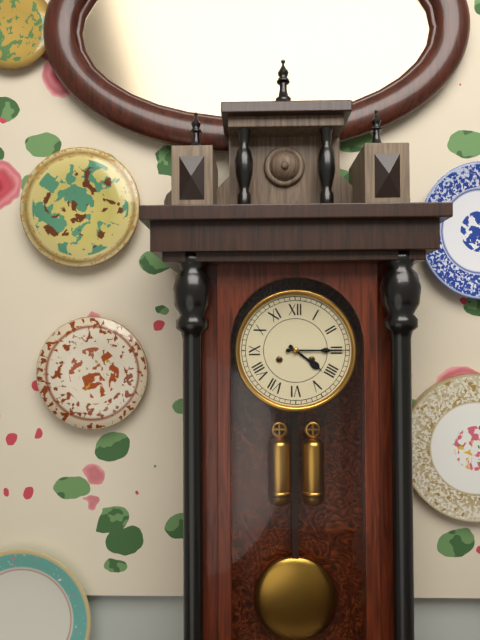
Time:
4.15
